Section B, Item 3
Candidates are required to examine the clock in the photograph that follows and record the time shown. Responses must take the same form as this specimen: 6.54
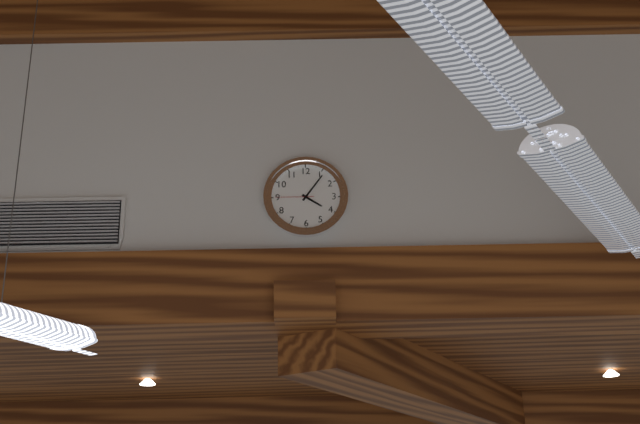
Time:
4.06
